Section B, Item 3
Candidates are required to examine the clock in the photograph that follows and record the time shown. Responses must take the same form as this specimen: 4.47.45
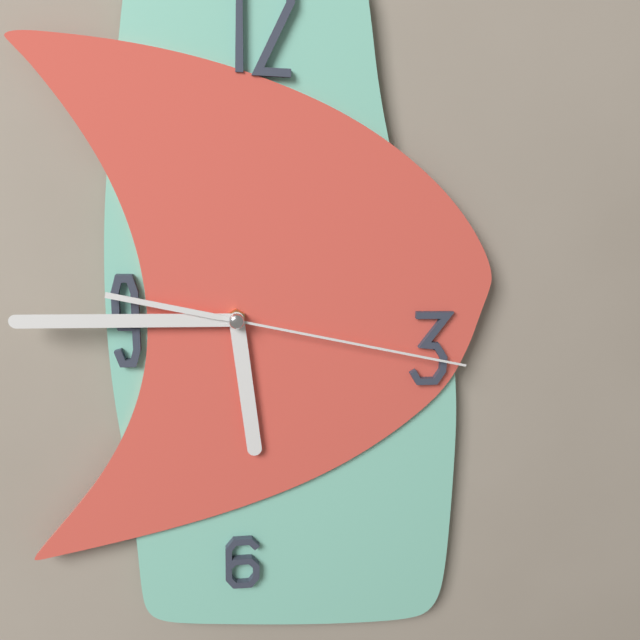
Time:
5.45.17
